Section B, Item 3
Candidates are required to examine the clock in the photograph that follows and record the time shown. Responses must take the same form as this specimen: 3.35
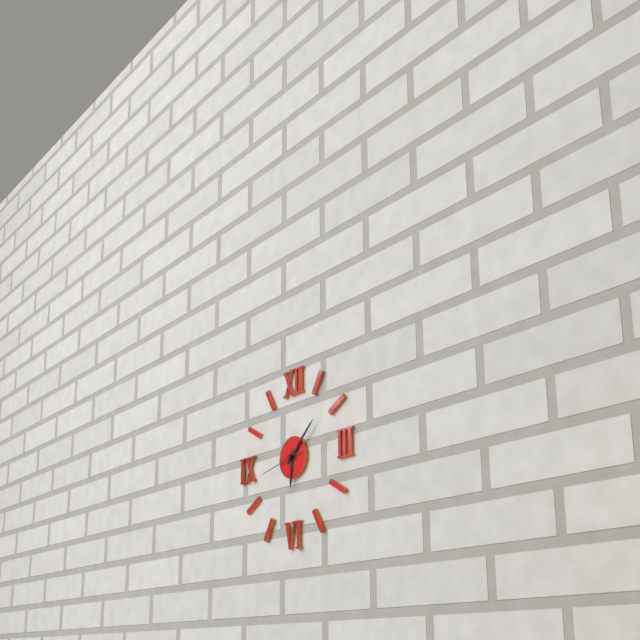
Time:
6.08
